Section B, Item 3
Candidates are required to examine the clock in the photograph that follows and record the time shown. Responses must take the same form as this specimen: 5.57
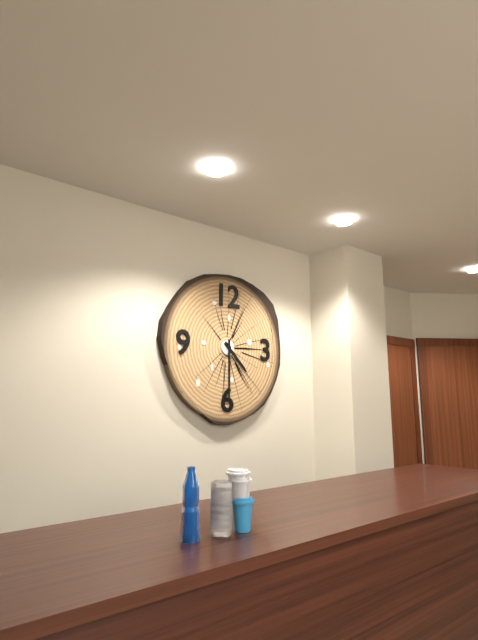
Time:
4.30
